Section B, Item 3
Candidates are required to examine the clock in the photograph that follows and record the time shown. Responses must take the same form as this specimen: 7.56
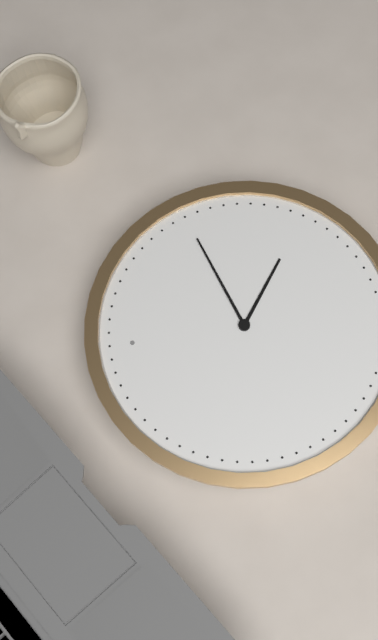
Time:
4.12
